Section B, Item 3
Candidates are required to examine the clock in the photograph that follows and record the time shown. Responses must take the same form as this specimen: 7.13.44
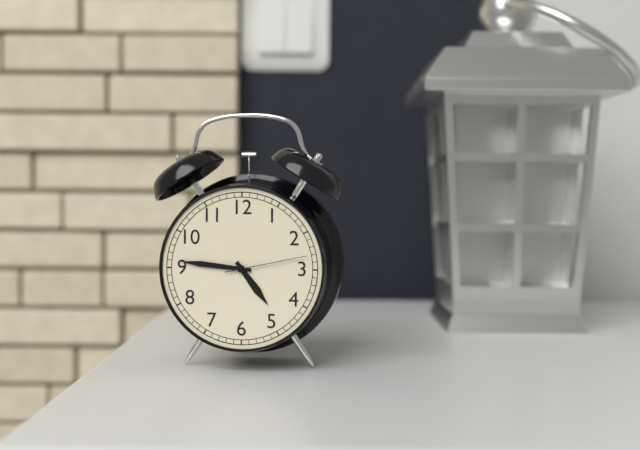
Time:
4.46.13
